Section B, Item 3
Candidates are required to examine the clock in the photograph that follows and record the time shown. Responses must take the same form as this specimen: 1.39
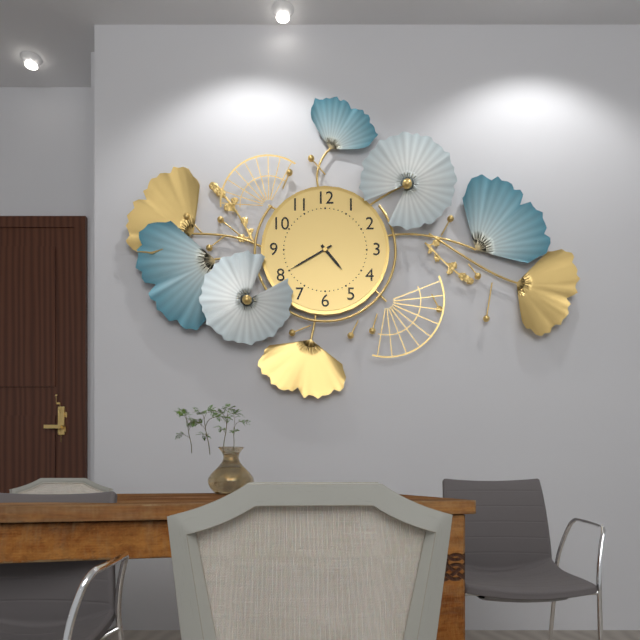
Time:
4.40
